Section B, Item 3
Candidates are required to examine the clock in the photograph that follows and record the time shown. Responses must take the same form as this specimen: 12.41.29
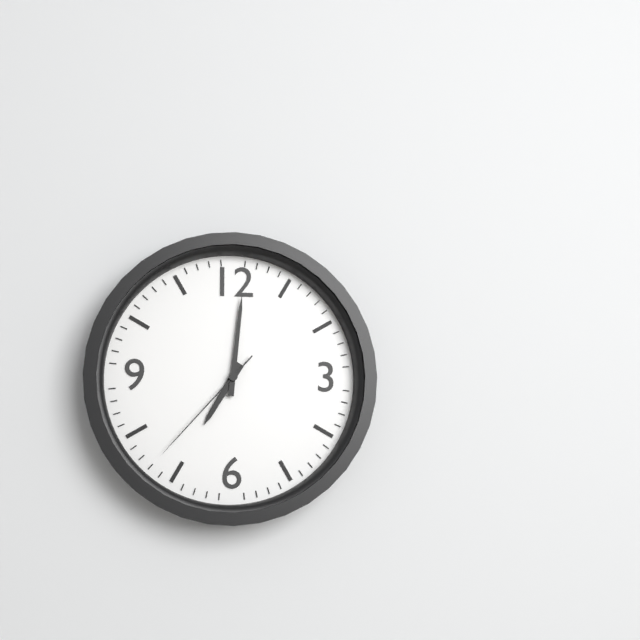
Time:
7.01.37
